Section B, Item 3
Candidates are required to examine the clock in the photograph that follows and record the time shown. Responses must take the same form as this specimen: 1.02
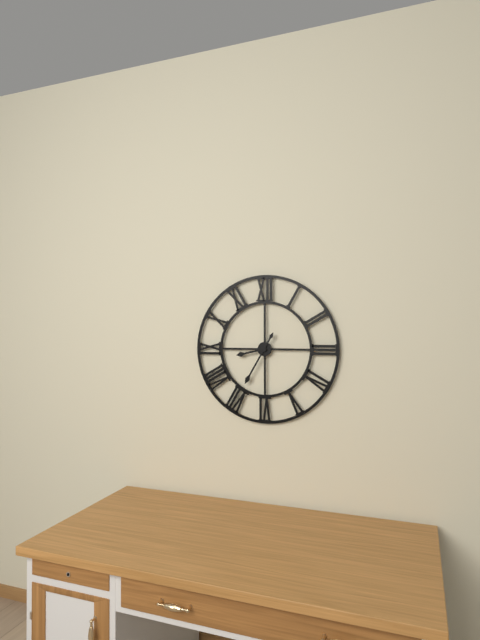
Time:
8.35
